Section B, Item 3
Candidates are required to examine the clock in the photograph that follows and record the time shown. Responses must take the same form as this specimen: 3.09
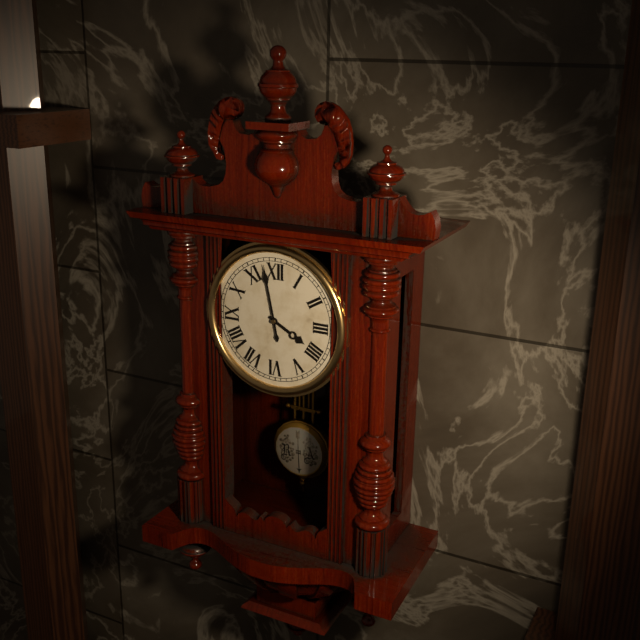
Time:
3.58
